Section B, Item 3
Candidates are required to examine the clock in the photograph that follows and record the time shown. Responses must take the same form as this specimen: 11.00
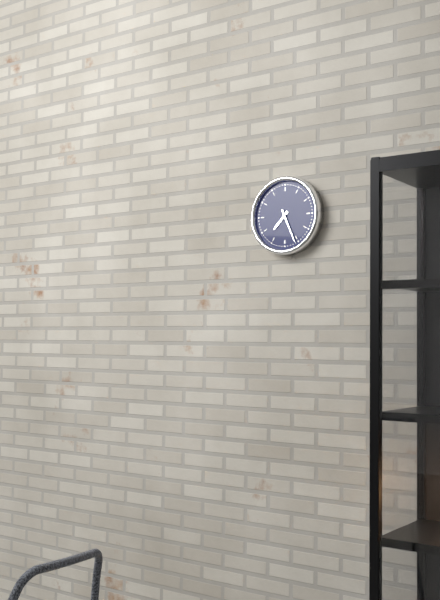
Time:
7.26
